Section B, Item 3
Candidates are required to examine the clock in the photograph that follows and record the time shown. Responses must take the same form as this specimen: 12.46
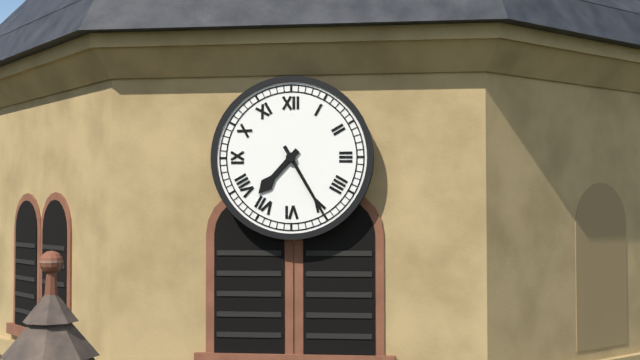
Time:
7.25
